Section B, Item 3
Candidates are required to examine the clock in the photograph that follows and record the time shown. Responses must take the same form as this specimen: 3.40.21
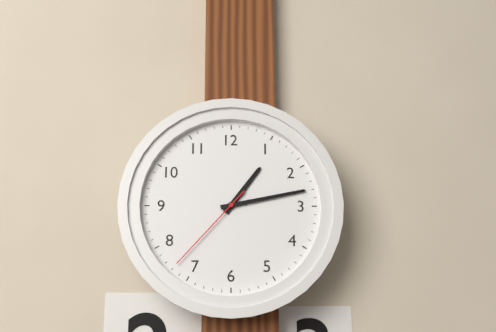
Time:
1.13.37
